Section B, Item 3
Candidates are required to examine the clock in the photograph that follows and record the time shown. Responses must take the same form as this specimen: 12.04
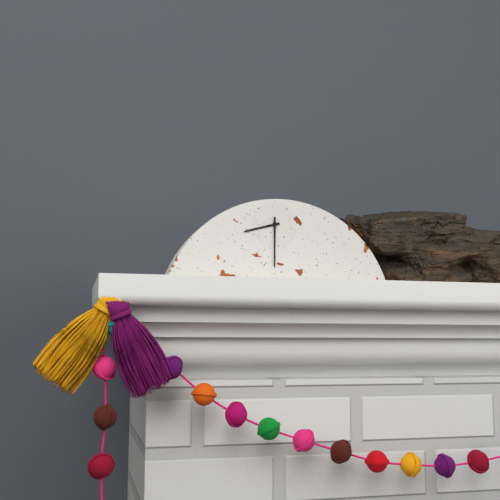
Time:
8.30
